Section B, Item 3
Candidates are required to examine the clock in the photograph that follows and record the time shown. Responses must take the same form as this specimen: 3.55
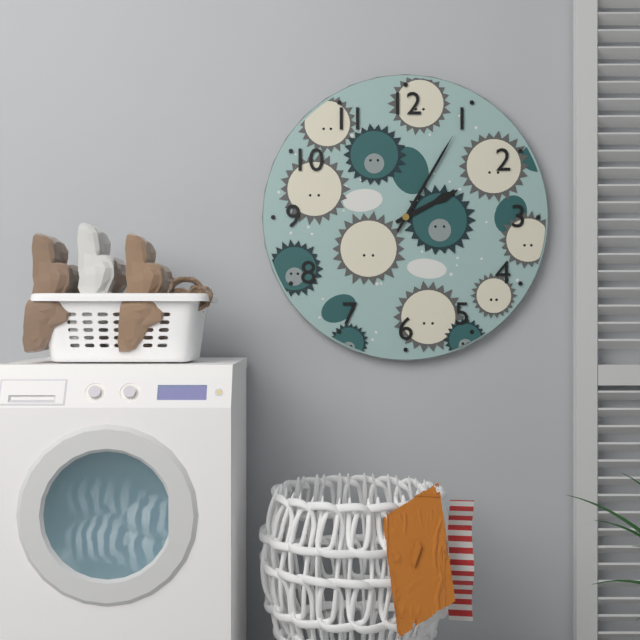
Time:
2.05
